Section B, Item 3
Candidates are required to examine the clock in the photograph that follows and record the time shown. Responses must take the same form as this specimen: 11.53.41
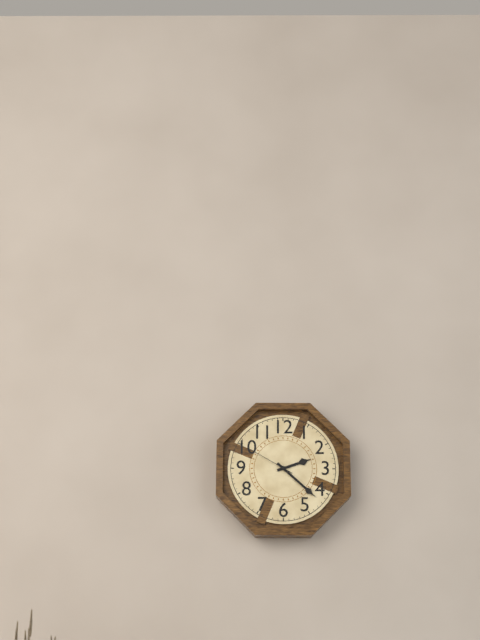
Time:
2.22.50
